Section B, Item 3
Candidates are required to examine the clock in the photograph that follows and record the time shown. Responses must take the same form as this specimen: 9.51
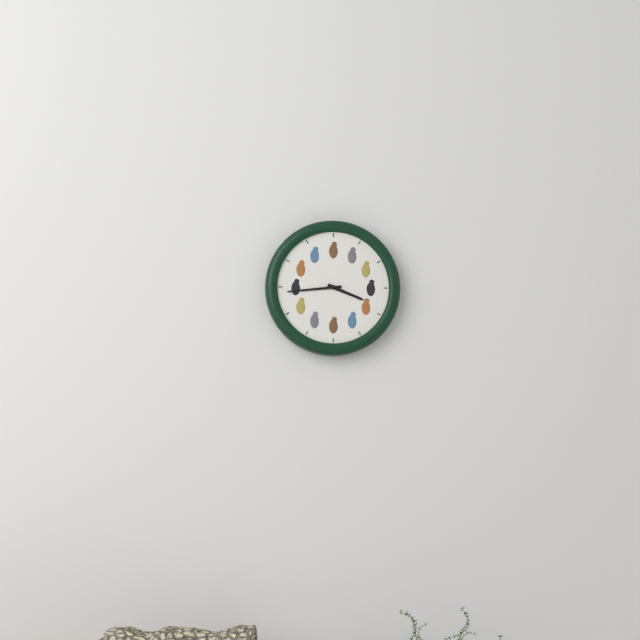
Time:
3.44
